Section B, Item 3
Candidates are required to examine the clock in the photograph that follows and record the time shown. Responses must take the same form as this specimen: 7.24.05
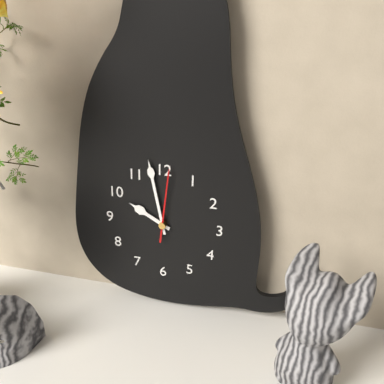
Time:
9.58.01
